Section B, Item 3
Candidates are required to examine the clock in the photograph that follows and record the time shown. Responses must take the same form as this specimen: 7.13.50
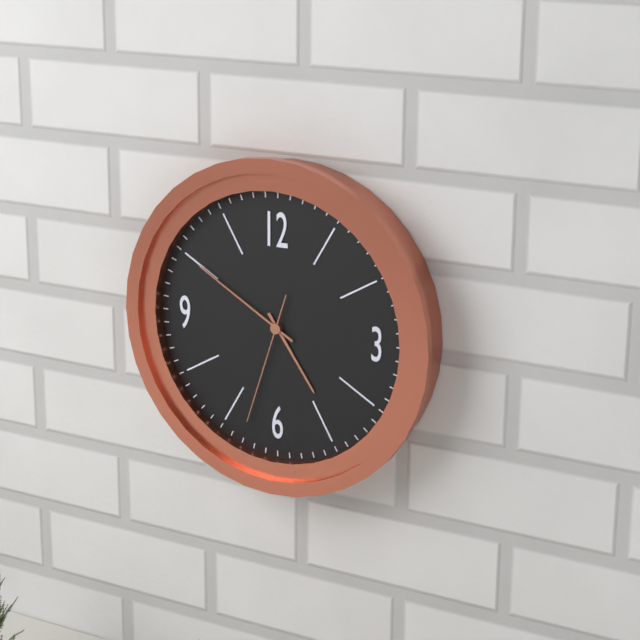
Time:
4.50.33
